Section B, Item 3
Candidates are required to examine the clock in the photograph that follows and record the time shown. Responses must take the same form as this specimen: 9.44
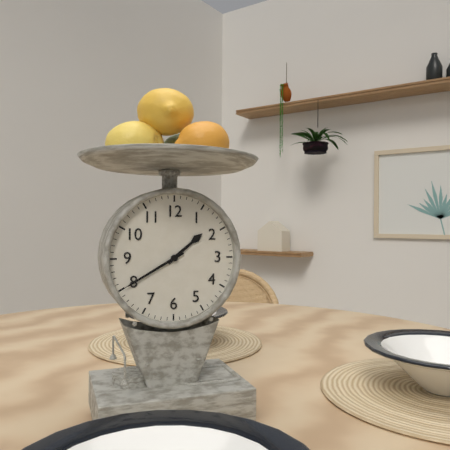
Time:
1.40
